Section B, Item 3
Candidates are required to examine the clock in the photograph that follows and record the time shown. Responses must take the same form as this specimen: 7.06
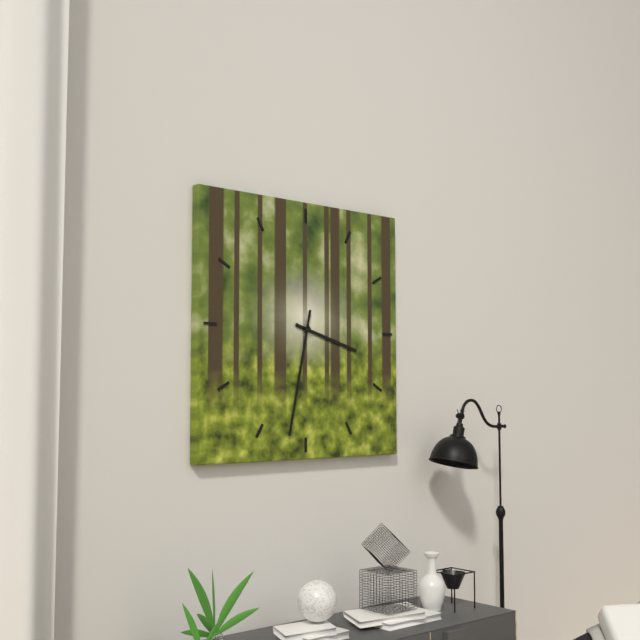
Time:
3.32
